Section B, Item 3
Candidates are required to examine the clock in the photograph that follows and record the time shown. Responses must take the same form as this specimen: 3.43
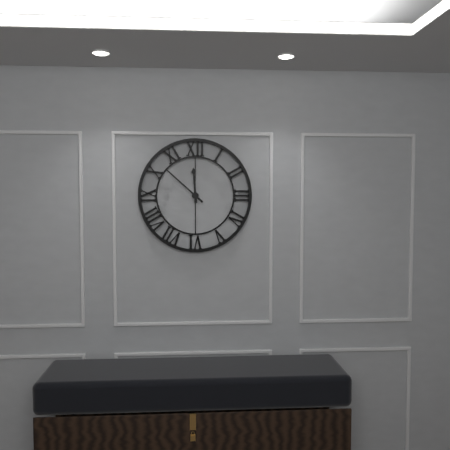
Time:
11.52
